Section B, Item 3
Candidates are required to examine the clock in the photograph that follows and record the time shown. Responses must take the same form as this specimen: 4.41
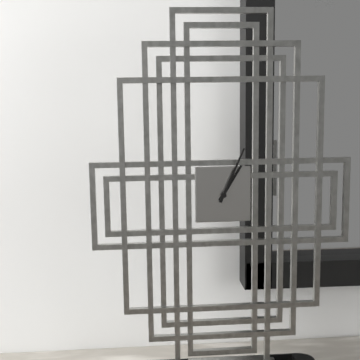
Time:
1.04
